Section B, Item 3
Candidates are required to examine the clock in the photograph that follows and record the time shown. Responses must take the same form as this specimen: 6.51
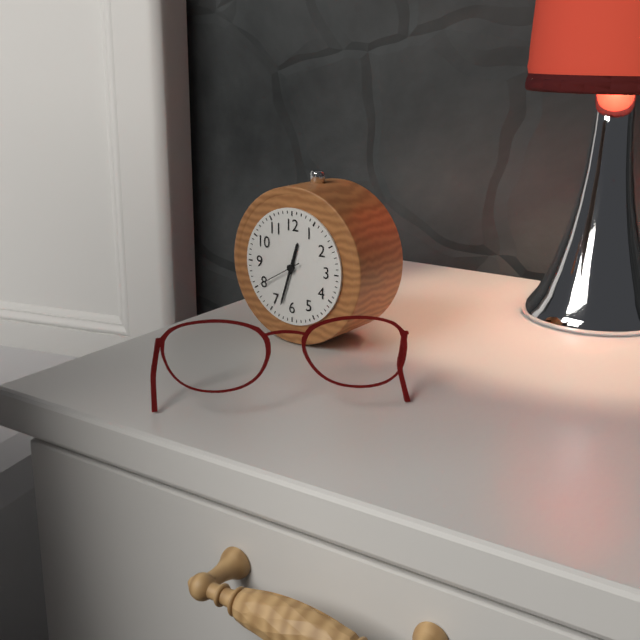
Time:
12.33
